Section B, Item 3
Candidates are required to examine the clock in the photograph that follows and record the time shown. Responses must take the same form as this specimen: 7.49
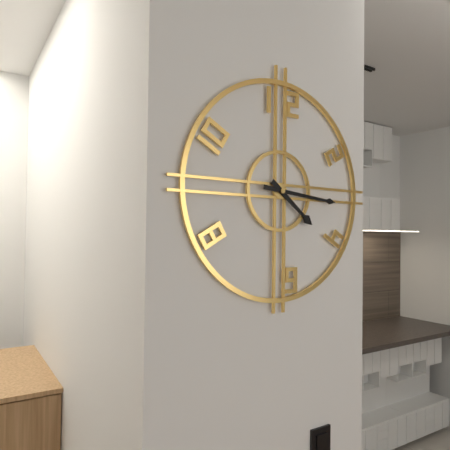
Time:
4.16
